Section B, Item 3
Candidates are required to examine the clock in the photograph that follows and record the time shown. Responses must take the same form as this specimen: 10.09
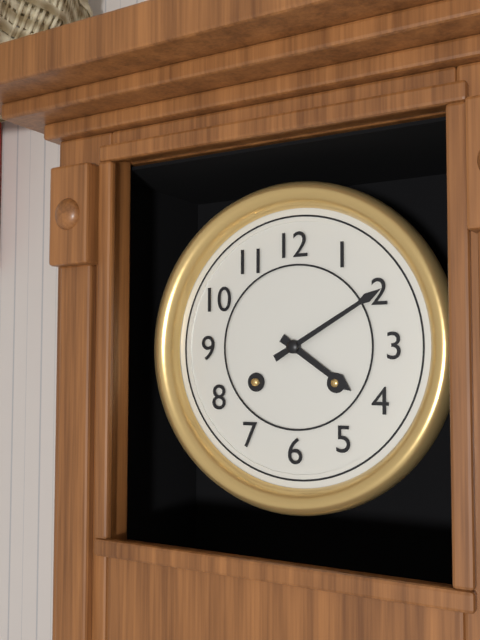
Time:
4.10
